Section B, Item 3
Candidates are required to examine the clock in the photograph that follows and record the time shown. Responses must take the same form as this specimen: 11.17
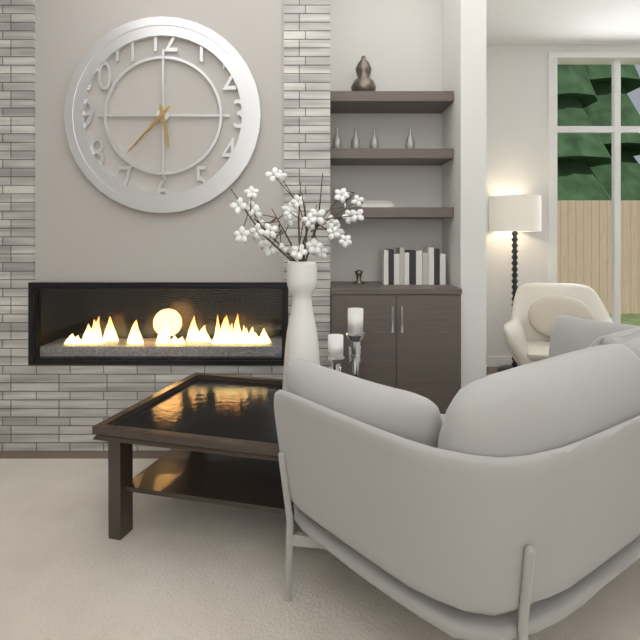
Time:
5.37
